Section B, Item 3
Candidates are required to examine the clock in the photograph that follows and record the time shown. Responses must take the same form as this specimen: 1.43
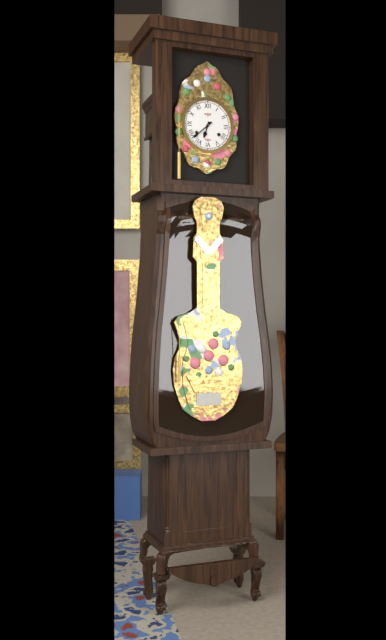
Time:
6.38
